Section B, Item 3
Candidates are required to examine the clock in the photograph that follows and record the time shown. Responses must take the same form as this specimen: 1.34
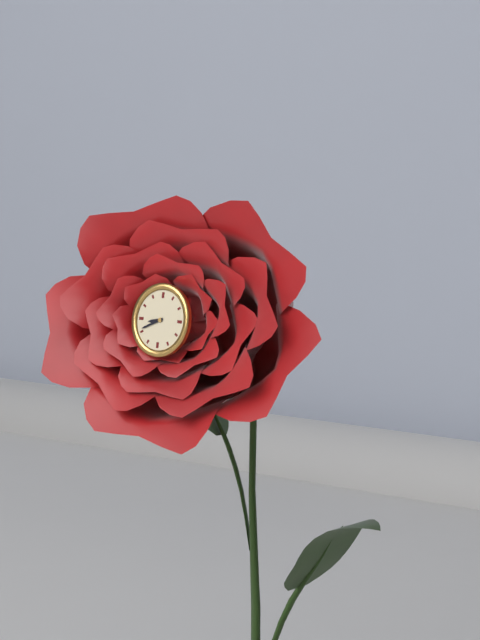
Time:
8.41
